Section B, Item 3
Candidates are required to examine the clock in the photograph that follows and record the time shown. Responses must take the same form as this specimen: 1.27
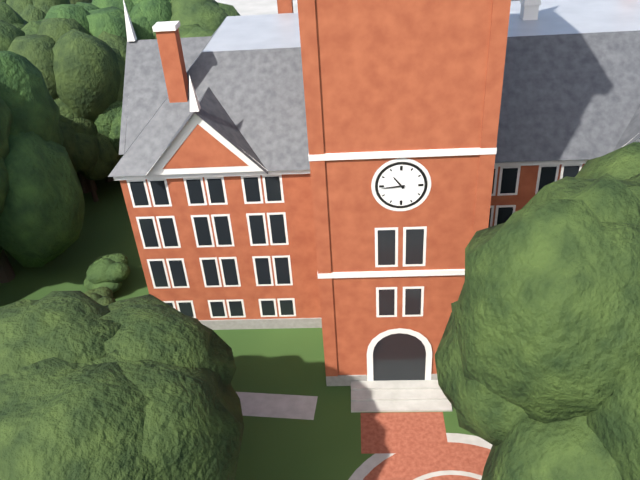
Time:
10.44
